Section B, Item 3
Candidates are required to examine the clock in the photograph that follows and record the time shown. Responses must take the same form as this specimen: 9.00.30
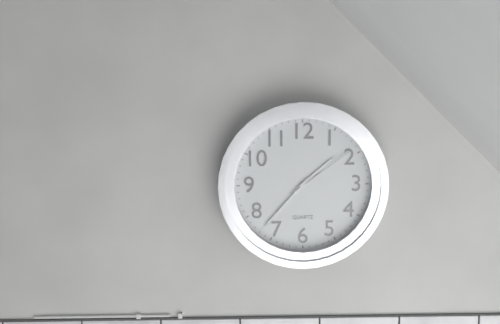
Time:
1.37.09
